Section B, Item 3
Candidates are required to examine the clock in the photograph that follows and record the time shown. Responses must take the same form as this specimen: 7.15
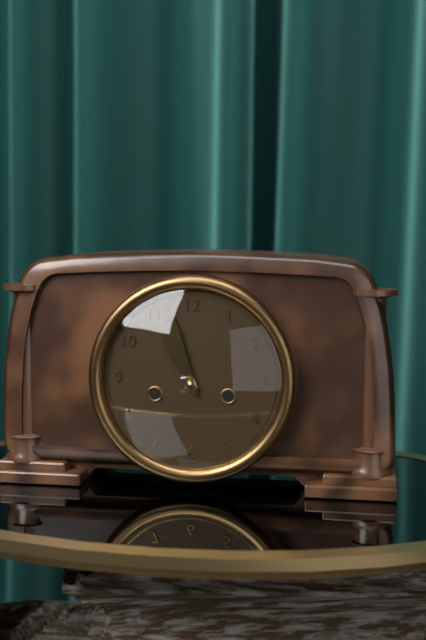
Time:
10.57
